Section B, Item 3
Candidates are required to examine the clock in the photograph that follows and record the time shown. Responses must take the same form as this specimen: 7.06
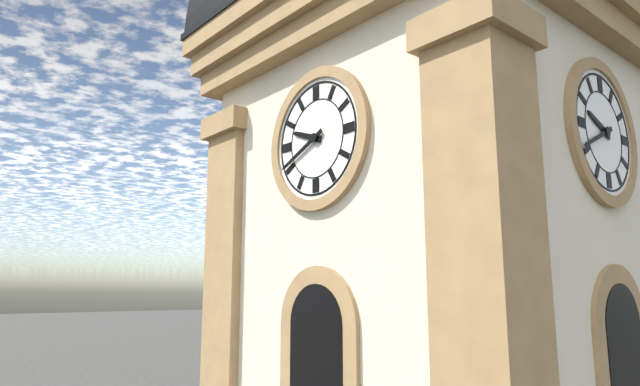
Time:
9.41
